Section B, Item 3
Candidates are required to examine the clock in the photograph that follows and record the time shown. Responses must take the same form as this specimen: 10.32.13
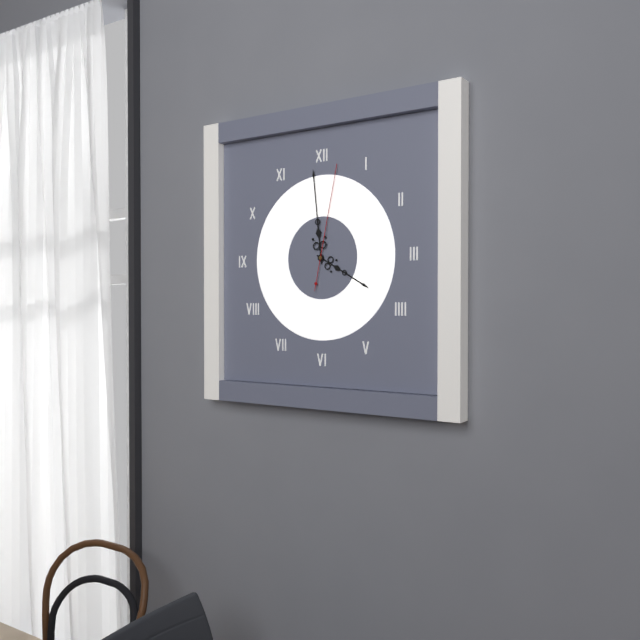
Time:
3.59.02
